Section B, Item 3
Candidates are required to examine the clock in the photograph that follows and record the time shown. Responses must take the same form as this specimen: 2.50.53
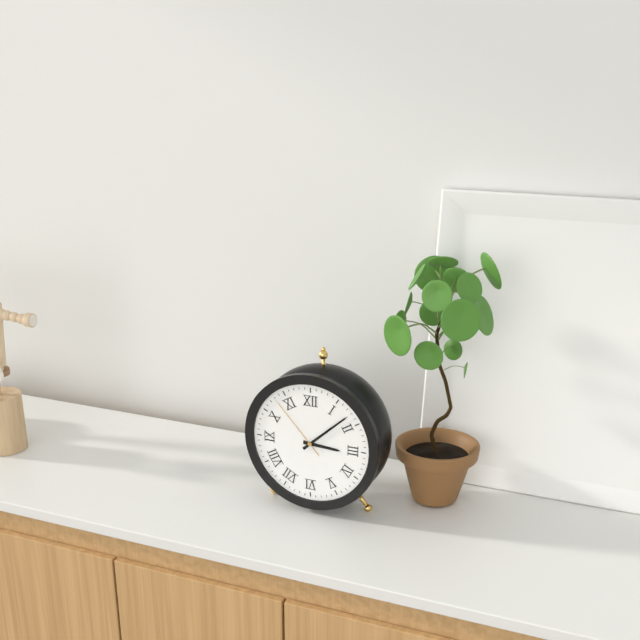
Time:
3.08.53
